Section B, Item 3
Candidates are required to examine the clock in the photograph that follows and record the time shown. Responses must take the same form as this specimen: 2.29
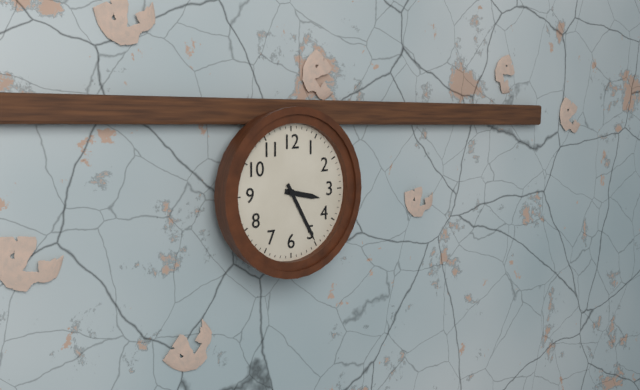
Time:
3.25
